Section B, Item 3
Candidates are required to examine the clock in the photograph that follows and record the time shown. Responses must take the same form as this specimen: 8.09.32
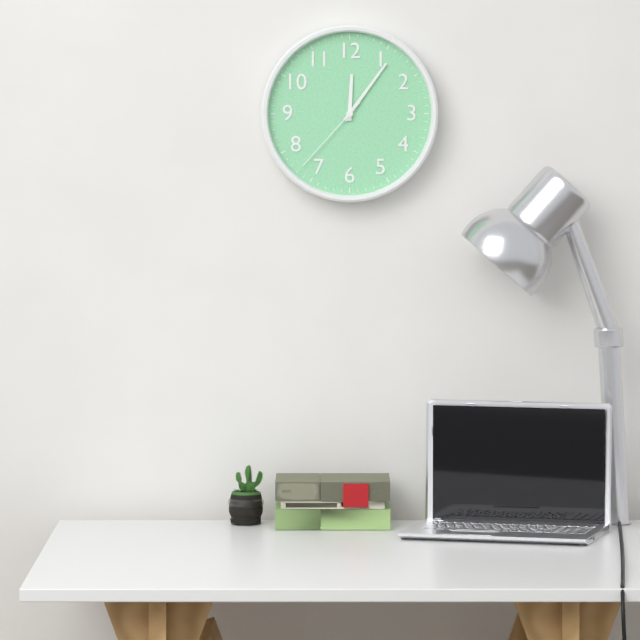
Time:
12.06.37
